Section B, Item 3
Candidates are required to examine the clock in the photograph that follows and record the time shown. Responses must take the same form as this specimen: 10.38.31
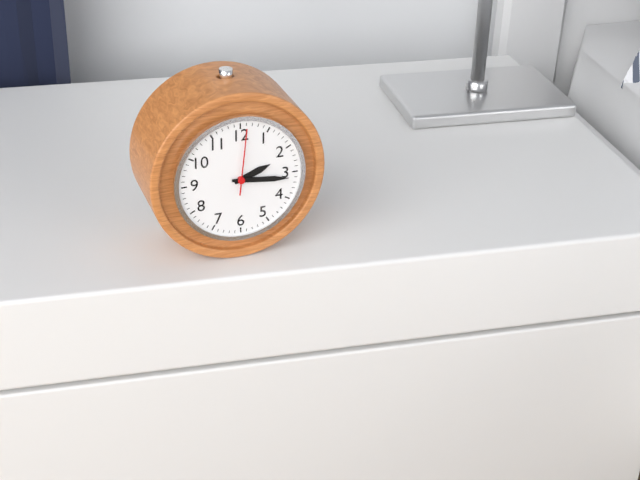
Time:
2.16.01
